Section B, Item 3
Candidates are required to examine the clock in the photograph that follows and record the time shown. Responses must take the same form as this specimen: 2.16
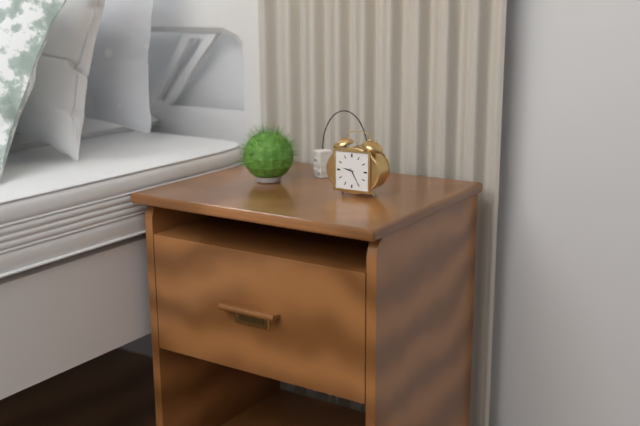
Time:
9.25
